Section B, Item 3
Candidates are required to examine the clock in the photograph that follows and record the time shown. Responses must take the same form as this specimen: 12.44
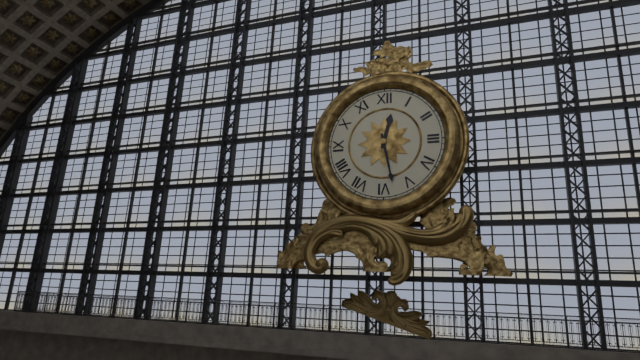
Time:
12.28
